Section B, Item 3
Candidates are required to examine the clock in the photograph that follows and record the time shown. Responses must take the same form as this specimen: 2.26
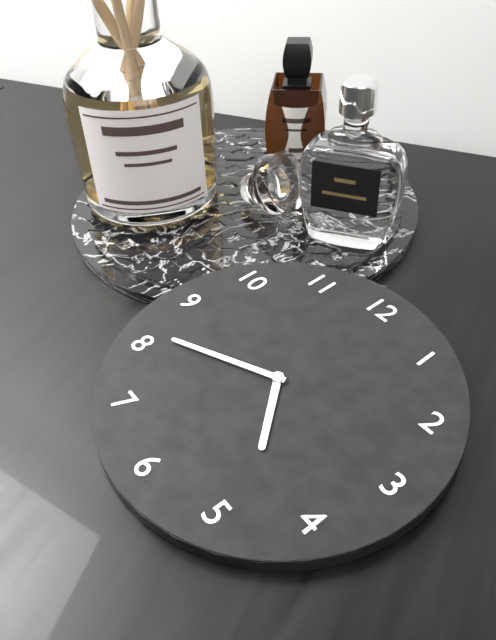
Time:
4.41
